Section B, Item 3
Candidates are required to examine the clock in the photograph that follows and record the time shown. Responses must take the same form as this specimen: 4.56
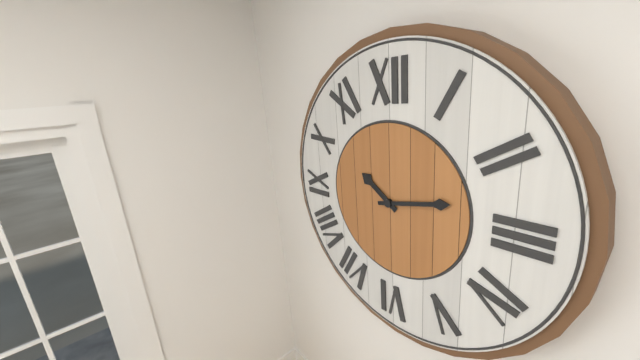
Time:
10.13
